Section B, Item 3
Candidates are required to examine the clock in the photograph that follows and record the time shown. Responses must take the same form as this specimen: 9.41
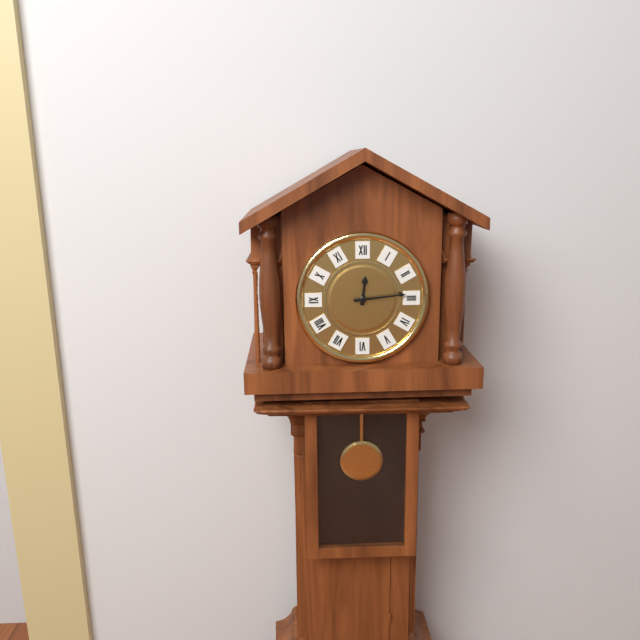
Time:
12.14
